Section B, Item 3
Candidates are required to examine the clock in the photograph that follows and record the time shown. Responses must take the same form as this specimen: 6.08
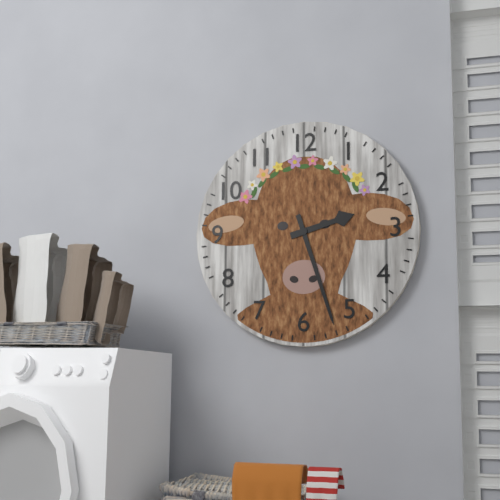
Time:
2.27
